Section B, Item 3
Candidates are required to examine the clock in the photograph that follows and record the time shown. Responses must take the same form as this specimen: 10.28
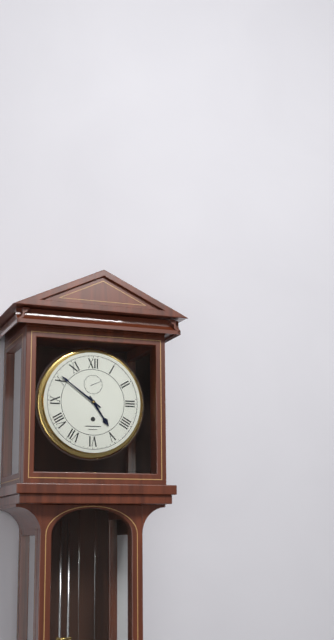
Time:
4.51
